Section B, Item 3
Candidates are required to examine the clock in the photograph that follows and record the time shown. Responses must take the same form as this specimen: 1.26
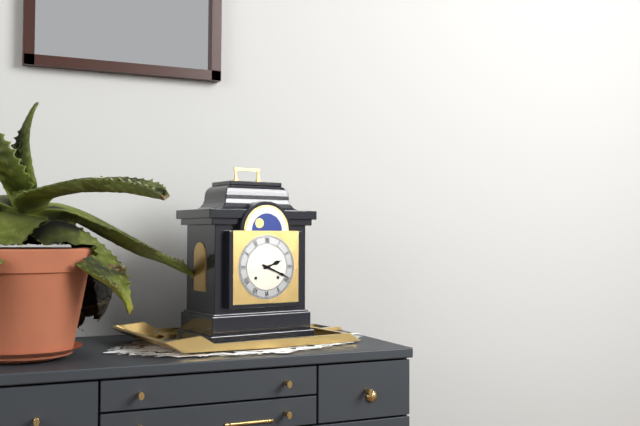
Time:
2.19
